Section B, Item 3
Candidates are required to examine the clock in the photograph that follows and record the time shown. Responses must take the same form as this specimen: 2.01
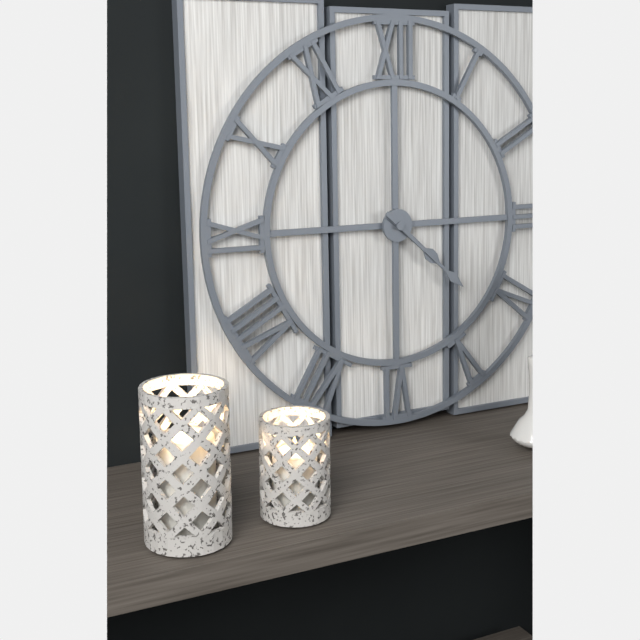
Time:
4.22
